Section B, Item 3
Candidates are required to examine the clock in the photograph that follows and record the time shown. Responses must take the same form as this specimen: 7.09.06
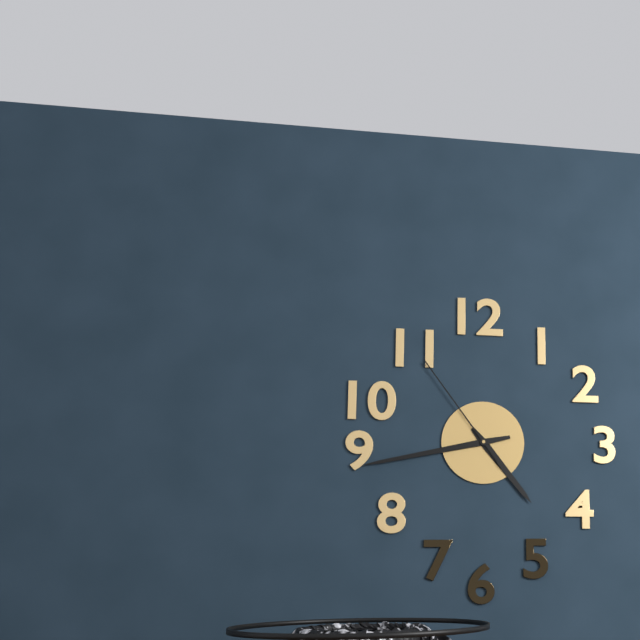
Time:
4.43.54
